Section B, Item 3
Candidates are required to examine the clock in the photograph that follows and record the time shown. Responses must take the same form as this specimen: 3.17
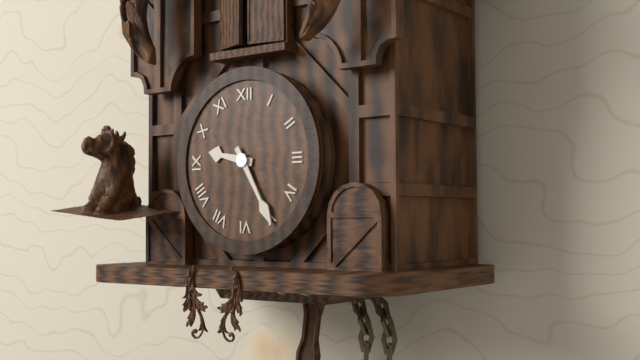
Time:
9.25
